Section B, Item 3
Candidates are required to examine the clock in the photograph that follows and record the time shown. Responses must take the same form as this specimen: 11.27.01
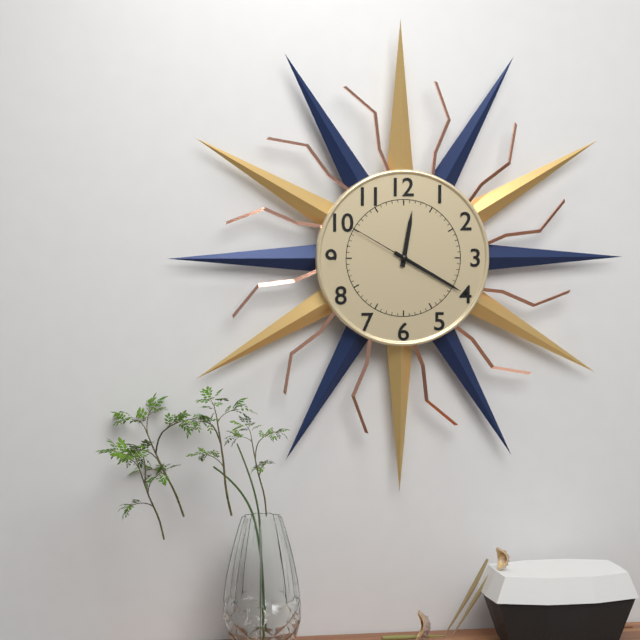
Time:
12.20.50
